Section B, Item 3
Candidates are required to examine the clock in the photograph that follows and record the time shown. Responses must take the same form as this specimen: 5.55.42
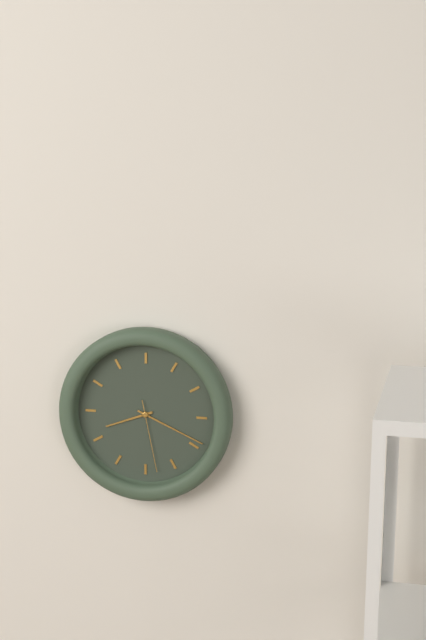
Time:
8.19.28
